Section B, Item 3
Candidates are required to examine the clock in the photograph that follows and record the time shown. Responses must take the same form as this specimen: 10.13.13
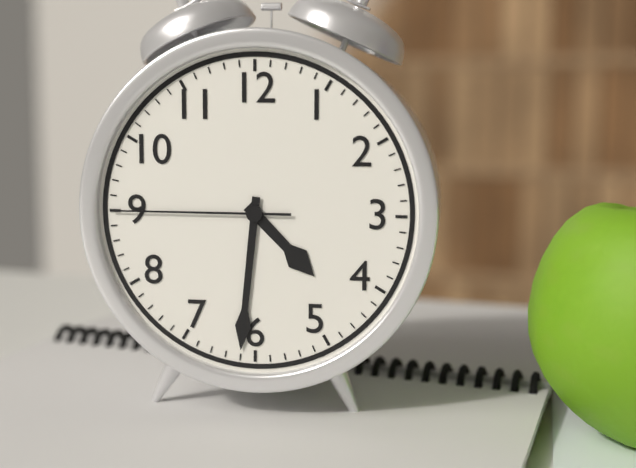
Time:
4.31.45
